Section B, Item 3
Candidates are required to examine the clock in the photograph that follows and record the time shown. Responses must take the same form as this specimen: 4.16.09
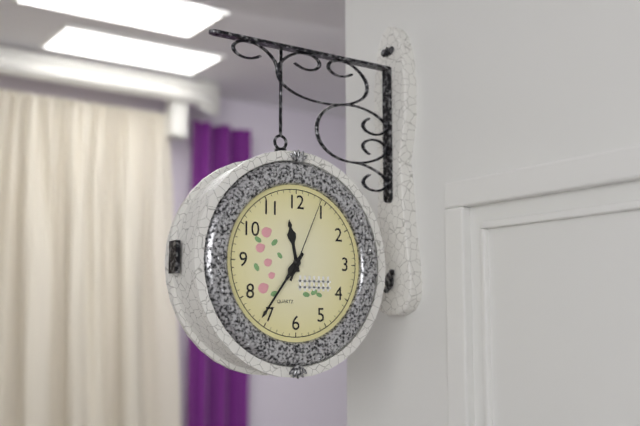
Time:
11.36.04
